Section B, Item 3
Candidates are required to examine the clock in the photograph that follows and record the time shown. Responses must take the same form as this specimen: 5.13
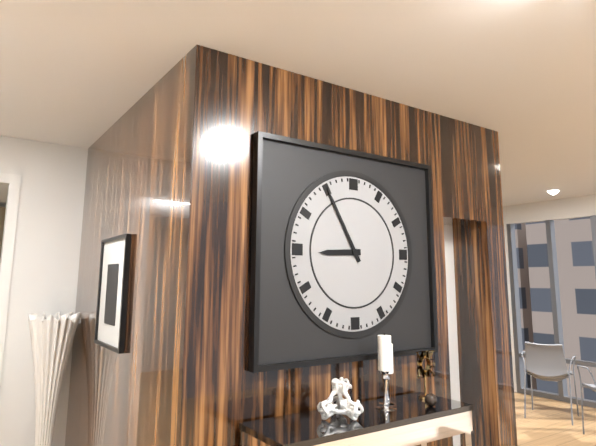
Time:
8.55
